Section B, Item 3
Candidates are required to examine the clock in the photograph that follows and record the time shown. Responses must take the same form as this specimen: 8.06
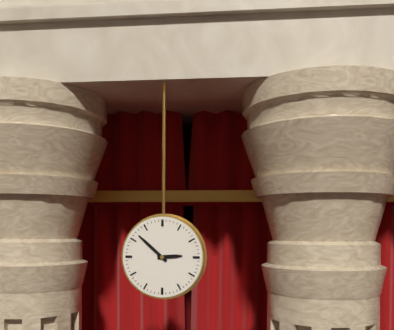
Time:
2.52
